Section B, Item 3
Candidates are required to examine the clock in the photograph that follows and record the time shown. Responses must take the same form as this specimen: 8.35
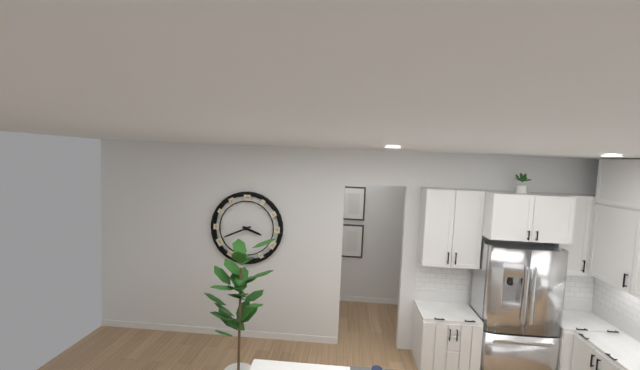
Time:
3.41
